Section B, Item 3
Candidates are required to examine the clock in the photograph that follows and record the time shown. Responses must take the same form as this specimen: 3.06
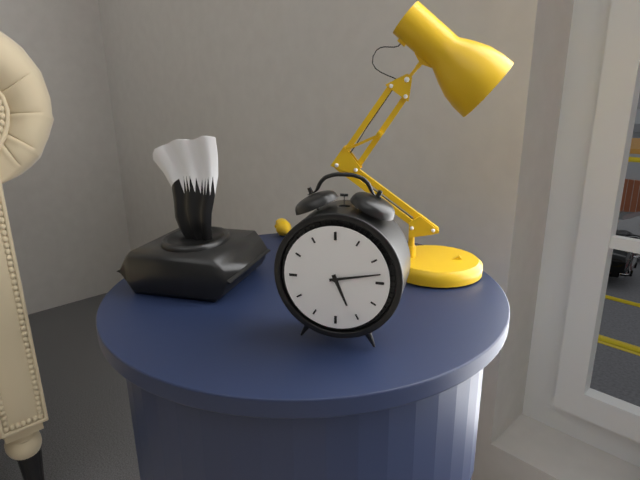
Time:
5.13
